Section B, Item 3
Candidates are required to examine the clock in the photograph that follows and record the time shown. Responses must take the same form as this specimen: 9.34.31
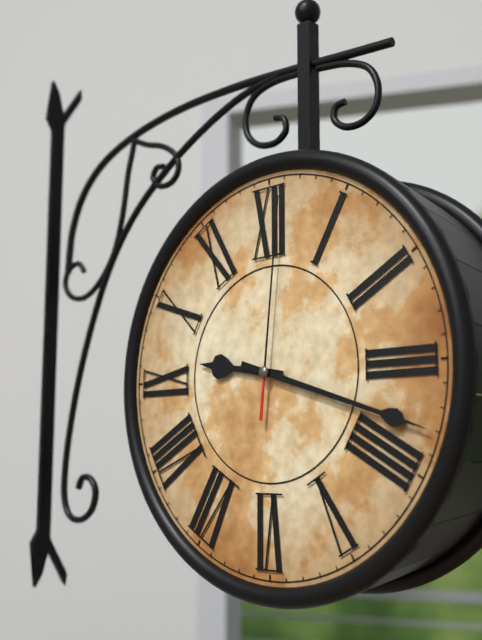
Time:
9.18.01
